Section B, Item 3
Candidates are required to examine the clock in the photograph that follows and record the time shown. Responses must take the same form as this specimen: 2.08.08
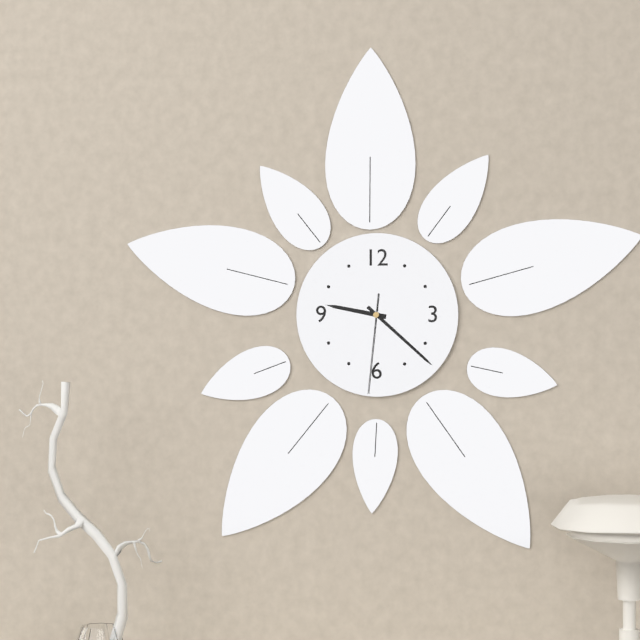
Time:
9.22.31
